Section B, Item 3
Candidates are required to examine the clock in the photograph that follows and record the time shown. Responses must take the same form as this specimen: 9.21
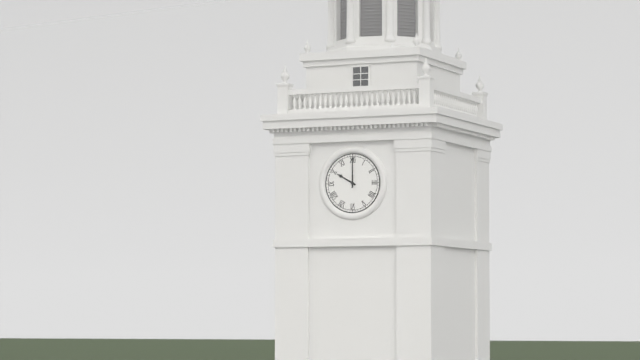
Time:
10.00
